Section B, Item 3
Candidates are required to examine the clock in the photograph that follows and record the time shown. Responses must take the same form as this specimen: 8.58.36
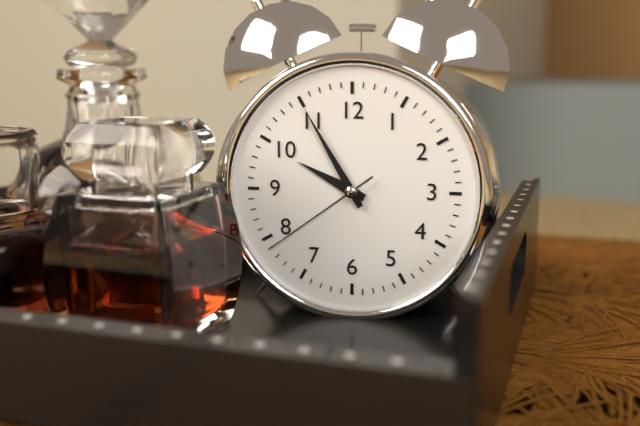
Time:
9.55.39
